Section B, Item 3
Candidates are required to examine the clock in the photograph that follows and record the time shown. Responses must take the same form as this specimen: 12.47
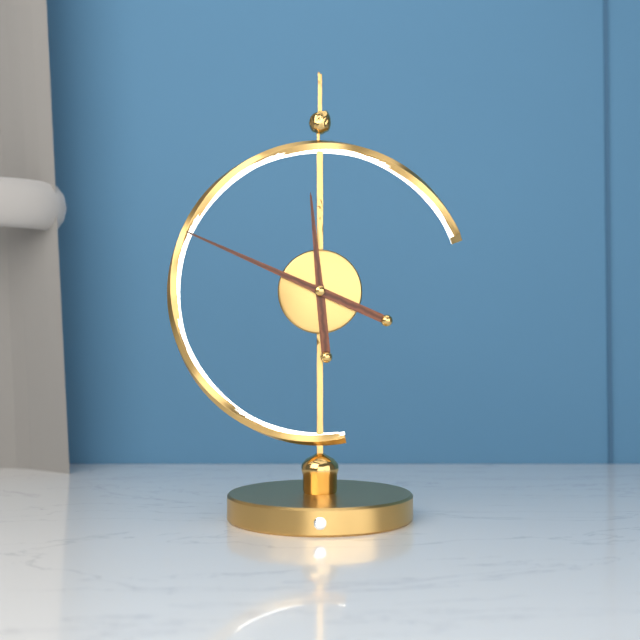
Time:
11.49
